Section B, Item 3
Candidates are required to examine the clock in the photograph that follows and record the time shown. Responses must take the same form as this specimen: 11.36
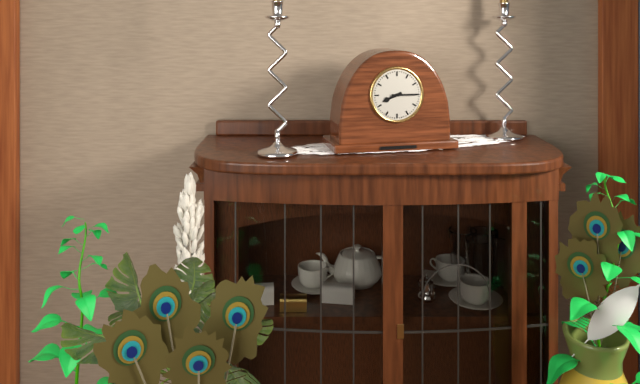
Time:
8.15
